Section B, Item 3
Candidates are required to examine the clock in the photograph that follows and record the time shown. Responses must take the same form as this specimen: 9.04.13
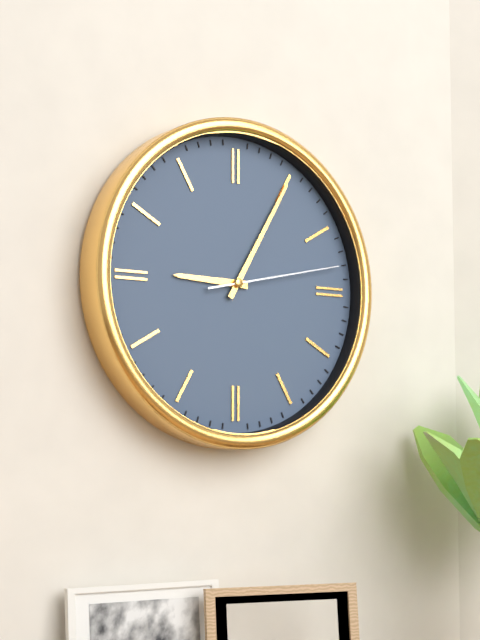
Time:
9.05.13
